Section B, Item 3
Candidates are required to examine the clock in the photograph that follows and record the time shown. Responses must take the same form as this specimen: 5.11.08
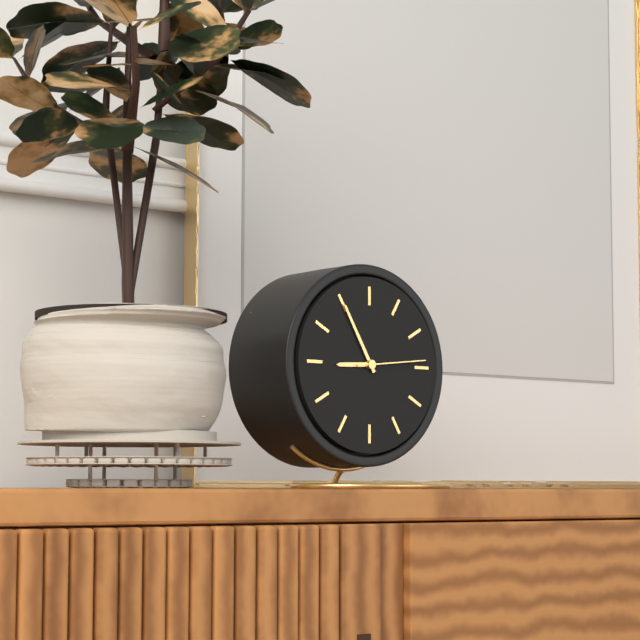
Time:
8.55.14
